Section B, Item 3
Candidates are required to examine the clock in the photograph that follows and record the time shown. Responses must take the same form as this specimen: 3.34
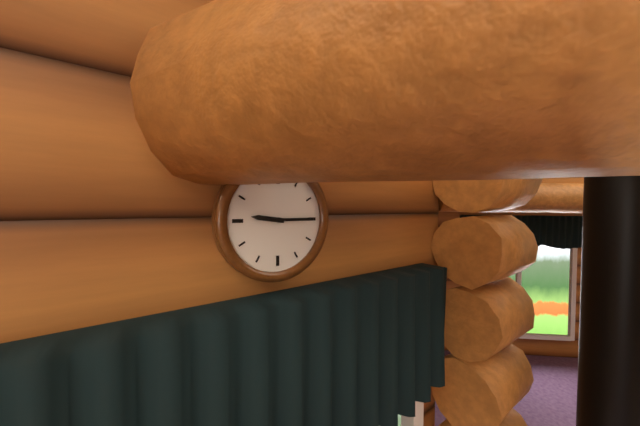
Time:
9.15
